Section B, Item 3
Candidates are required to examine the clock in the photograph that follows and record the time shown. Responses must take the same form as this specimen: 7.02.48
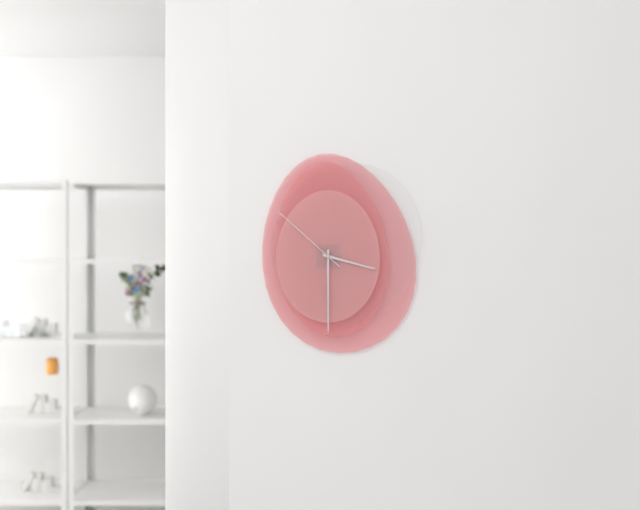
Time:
3.30.52
